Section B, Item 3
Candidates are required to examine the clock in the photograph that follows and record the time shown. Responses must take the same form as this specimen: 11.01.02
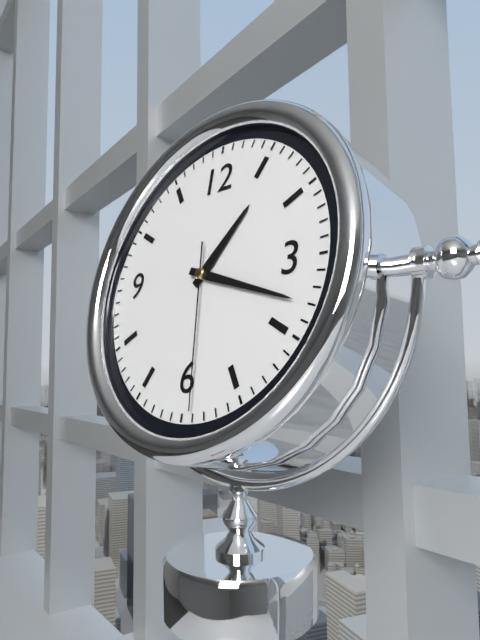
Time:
1.18.29
